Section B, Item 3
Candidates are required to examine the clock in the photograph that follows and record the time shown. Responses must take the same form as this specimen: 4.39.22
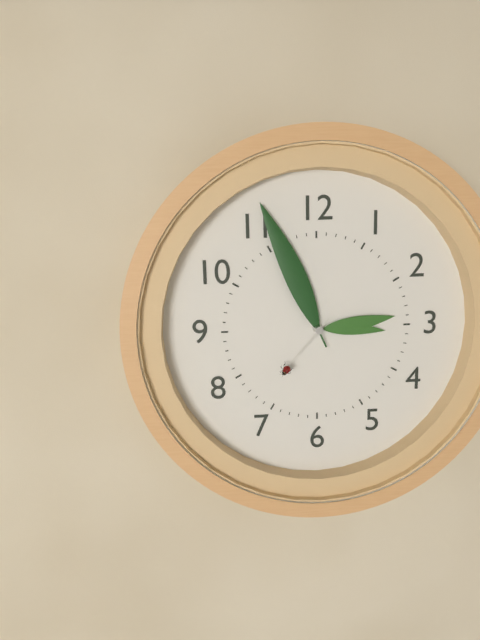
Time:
2.56.37
